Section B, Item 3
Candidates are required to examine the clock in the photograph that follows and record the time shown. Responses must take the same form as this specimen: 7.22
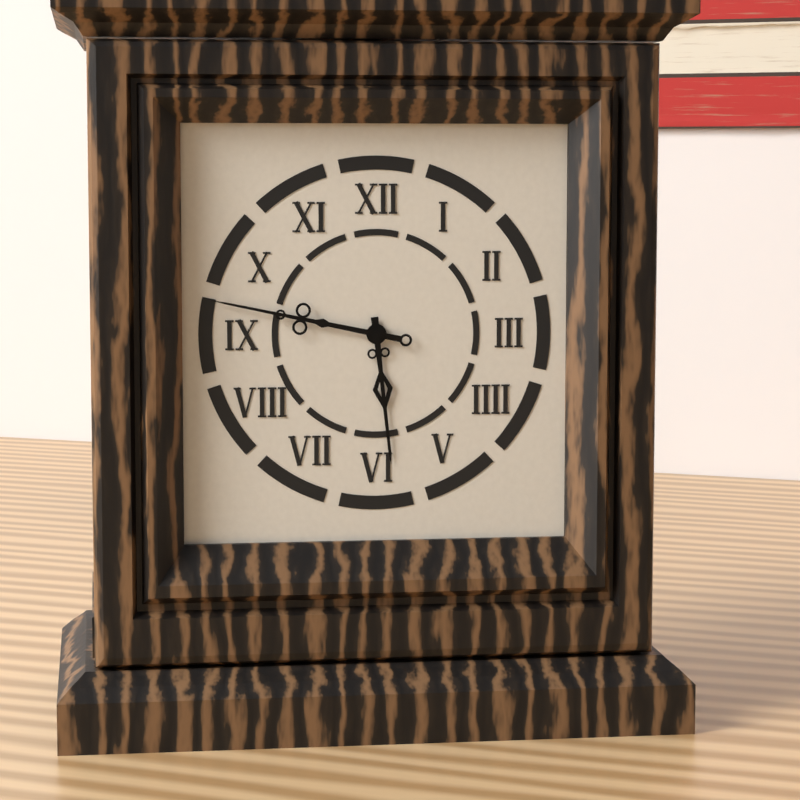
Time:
5.47
